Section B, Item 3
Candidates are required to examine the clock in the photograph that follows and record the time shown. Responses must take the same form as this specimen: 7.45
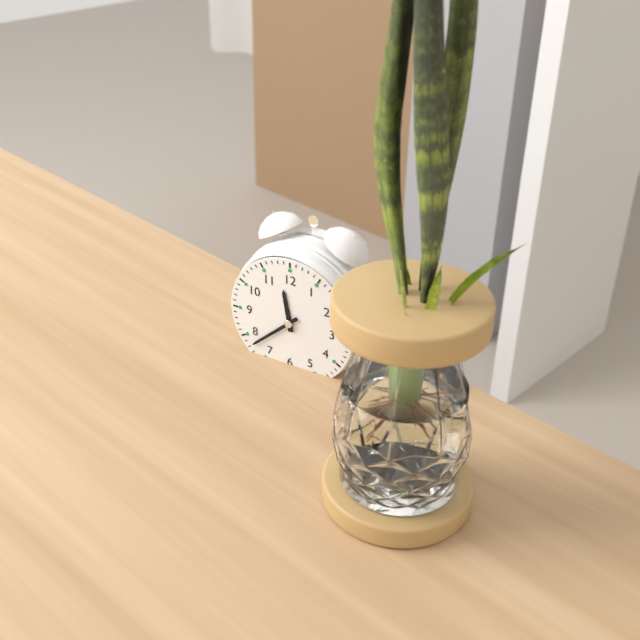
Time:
11.38
